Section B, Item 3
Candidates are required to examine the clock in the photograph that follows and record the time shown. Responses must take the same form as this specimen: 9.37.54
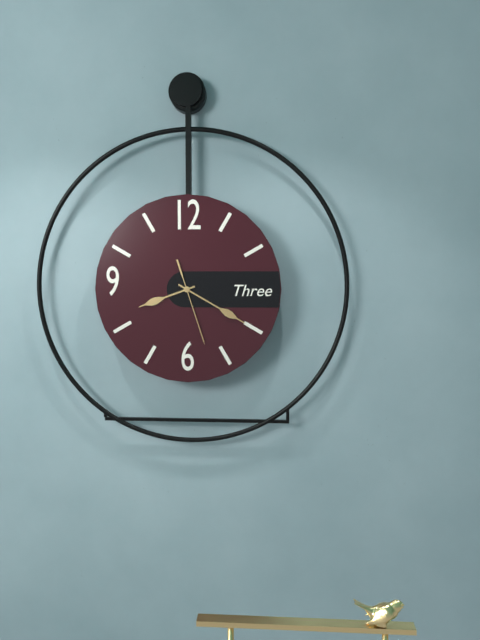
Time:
8.20.27
